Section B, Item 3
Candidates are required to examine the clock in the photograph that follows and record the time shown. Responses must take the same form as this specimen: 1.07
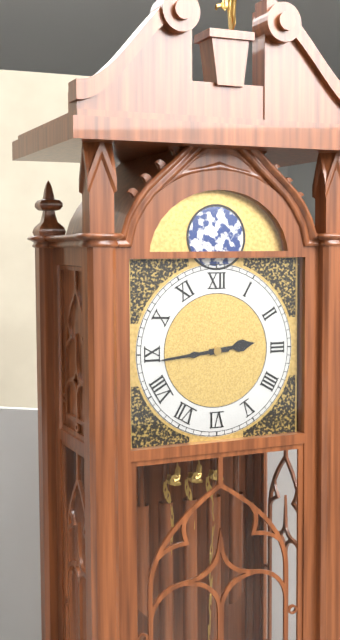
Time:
2.44
